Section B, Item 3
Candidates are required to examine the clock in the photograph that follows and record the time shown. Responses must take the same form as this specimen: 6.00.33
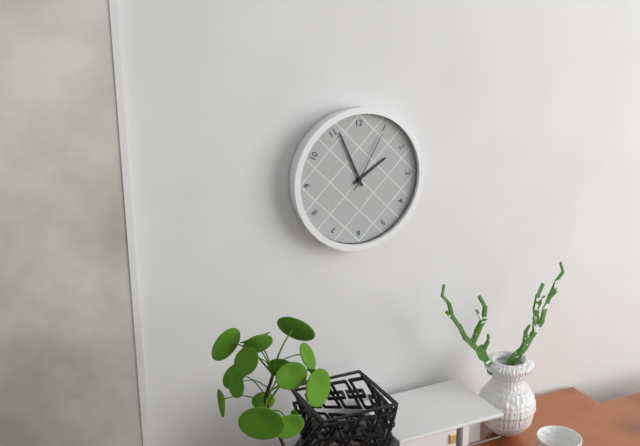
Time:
1.56.05
